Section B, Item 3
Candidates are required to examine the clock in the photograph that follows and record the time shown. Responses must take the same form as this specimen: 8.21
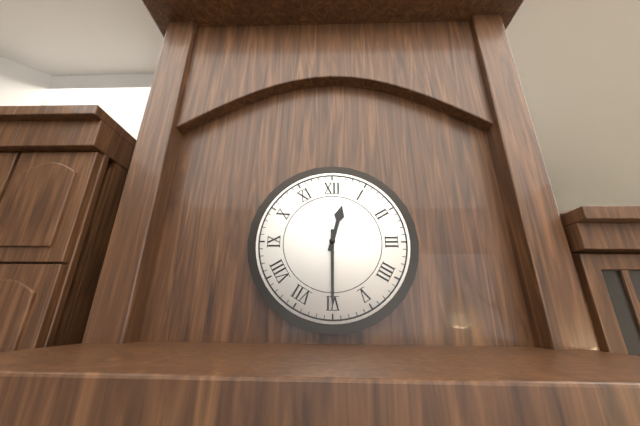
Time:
12.30
